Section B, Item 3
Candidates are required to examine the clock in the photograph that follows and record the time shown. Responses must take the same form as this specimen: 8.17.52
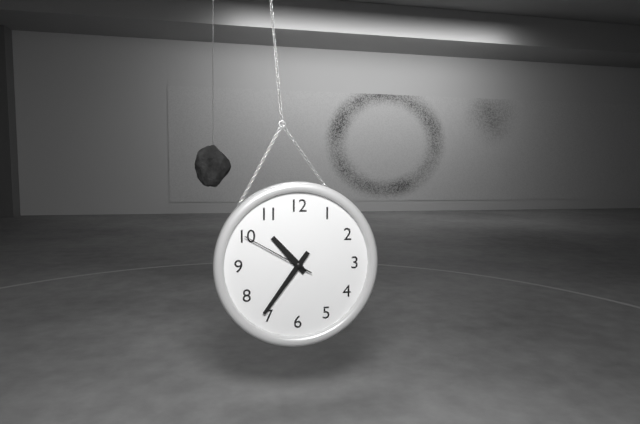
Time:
10.36.50
